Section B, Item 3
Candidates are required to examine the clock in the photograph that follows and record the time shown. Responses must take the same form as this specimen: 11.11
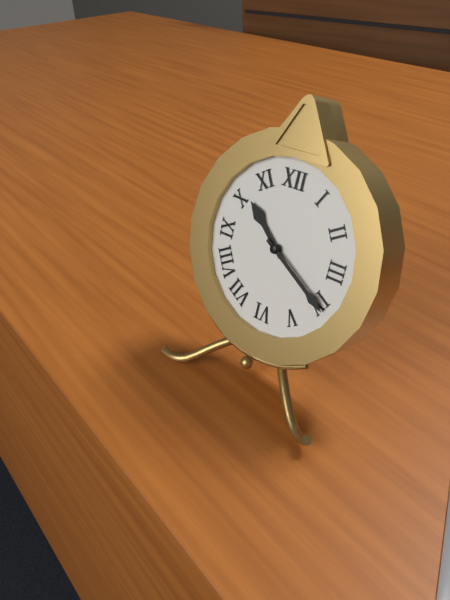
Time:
10.20
